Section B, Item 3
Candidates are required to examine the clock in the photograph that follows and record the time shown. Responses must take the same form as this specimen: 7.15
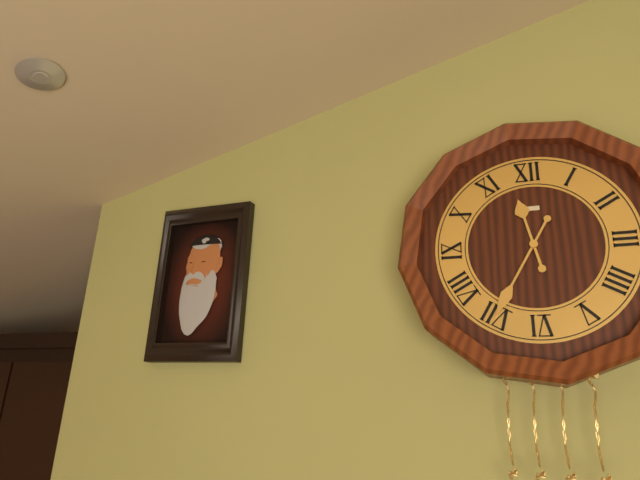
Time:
11.35
